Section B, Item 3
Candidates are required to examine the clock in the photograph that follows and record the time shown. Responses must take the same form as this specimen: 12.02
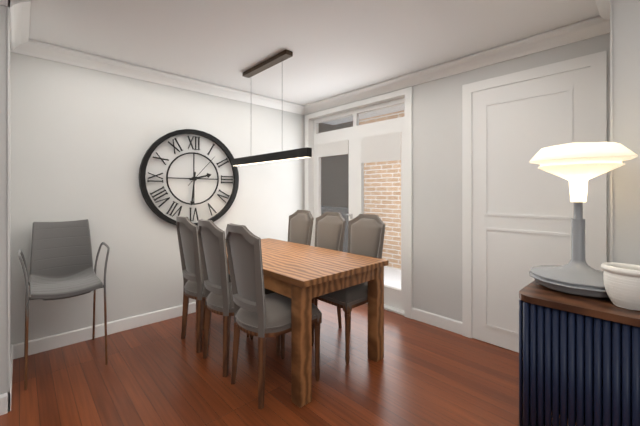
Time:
2.31
